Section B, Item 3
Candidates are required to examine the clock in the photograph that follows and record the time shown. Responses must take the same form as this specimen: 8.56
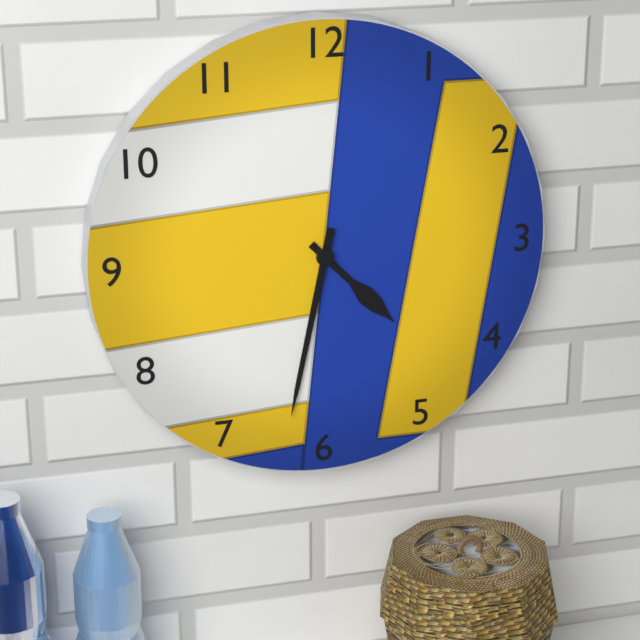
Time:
4.32
